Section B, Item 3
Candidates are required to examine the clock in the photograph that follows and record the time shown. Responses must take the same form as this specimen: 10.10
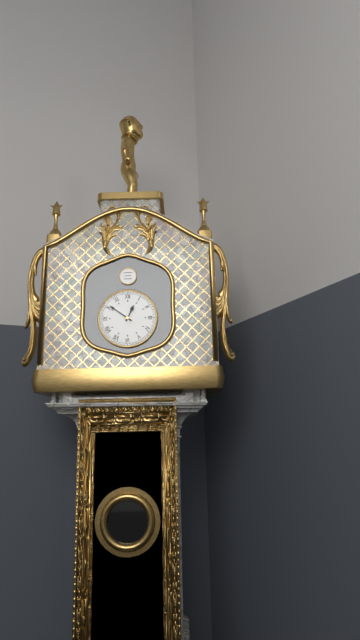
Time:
12.51
